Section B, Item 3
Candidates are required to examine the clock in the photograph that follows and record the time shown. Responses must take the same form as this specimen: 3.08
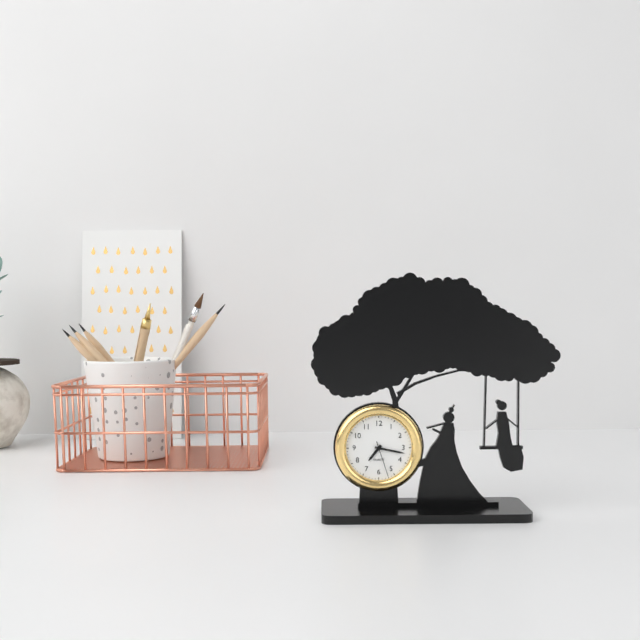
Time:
7.17
